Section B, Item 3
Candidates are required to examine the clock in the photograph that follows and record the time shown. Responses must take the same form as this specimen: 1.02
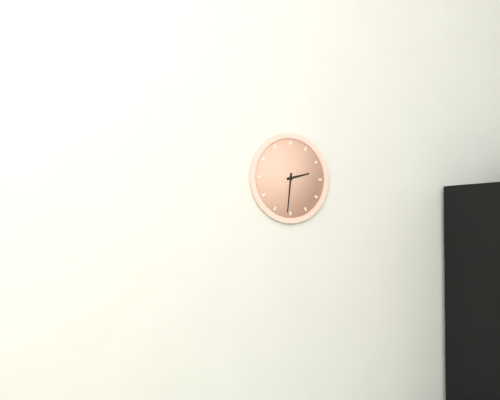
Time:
2.31
